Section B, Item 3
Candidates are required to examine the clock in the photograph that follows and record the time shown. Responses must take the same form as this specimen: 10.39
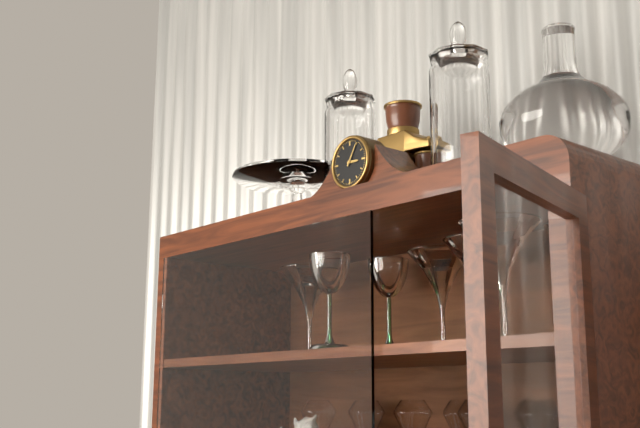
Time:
3.05
